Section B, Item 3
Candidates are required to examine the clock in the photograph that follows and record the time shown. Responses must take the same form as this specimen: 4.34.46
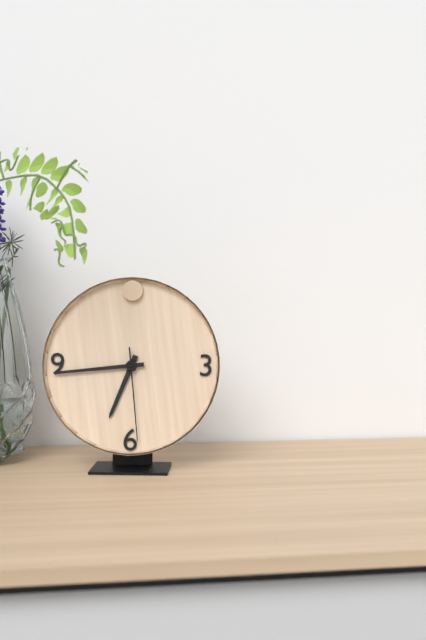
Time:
6.44.29
